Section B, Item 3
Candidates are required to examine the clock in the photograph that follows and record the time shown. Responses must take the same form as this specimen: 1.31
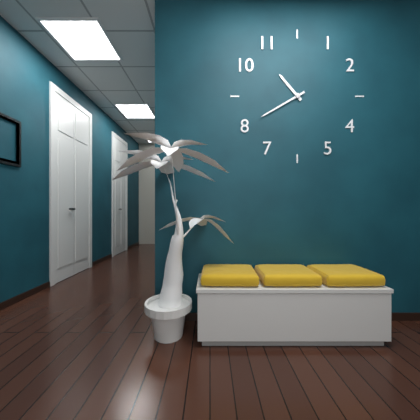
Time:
10.40
